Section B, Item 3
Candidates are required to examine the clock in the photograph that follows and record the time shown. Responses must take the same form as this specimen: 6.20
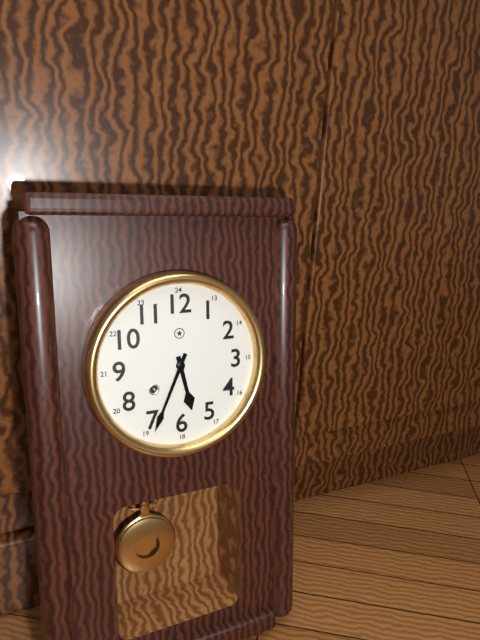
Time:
5.34
